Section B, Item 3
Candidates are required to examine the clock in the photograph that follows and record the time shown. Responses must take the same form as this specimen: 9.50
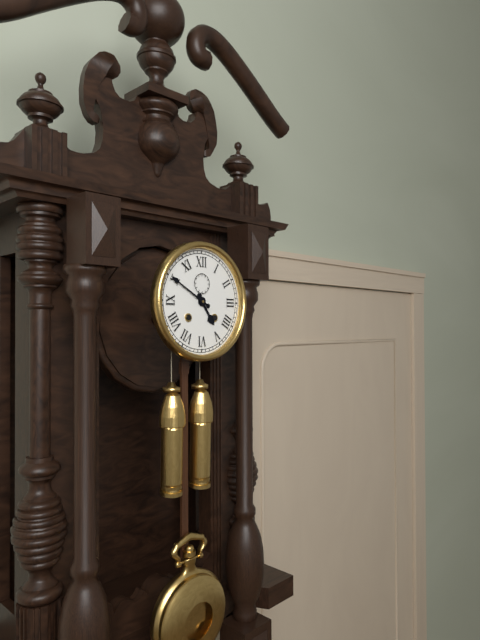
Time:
4.50
